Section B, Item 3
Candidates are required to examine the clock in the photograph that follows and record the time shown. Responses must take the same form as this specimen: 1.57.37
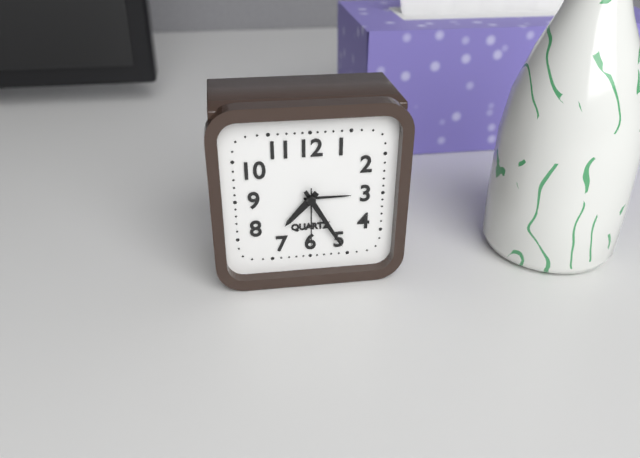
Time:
7.25.30
